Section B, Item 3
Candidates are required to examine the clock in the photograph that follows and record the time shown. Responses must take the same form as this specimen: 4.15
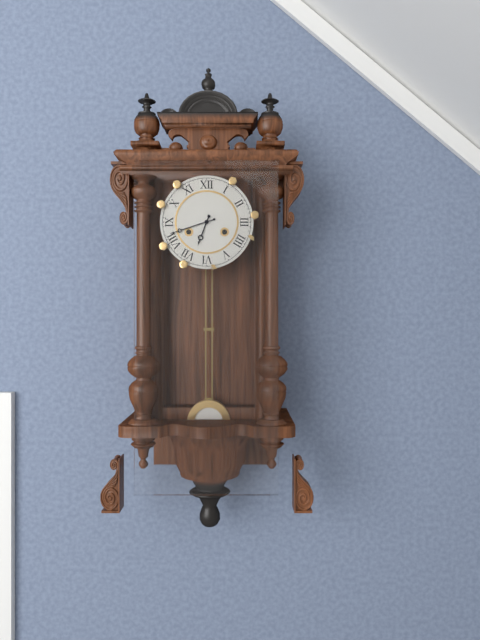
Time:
6.42
